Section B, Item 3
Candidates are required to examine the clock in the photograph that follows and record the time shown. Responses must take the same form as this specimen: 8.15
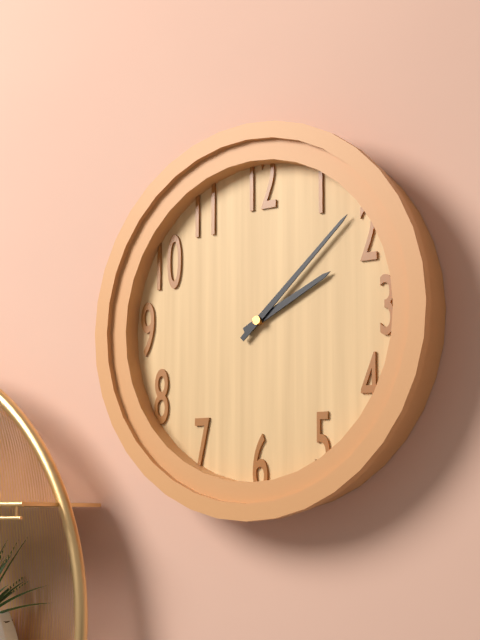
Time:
2.08
